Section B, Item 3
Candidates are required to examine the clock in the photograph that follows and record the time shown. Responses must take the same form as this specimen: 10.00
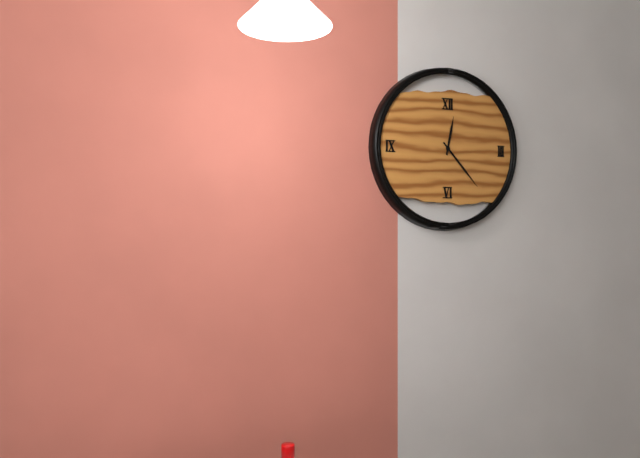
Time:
12.23
